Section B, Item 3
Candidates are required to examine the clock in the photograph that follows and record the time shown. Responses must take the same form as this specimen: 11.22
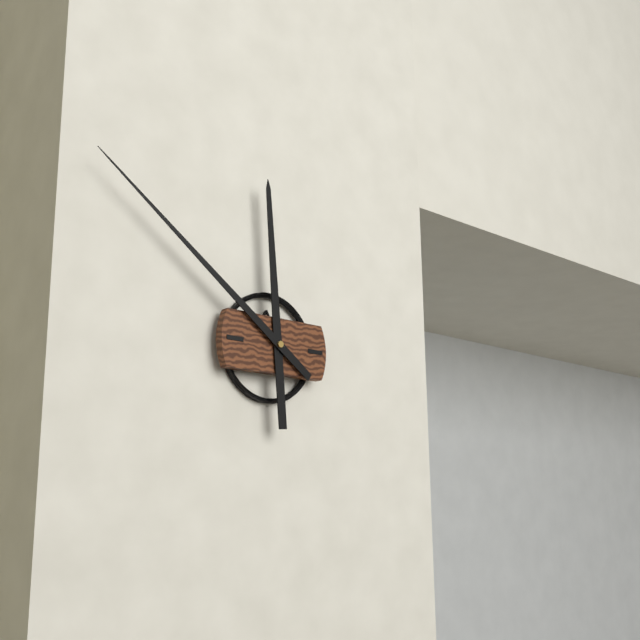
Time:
11.51
